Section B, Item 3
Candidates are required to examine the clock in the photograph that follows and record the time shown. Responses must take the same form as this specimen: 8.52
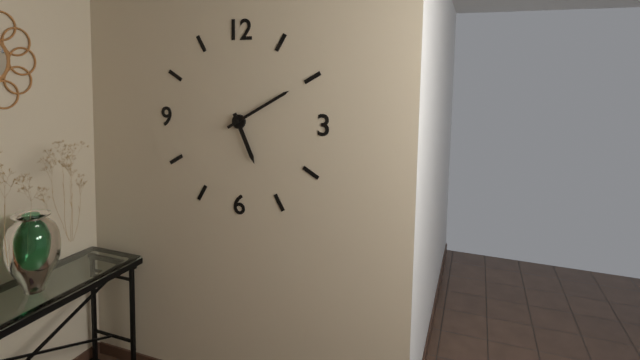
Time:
5.10
